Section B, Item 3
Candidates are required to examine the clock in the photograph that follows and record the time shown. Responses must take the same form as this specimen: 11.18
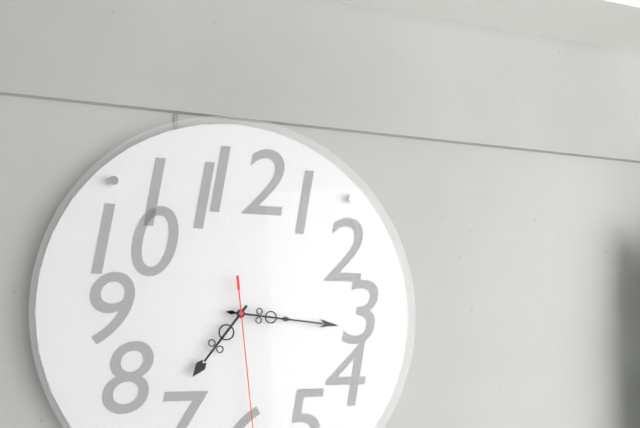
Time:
7.16
